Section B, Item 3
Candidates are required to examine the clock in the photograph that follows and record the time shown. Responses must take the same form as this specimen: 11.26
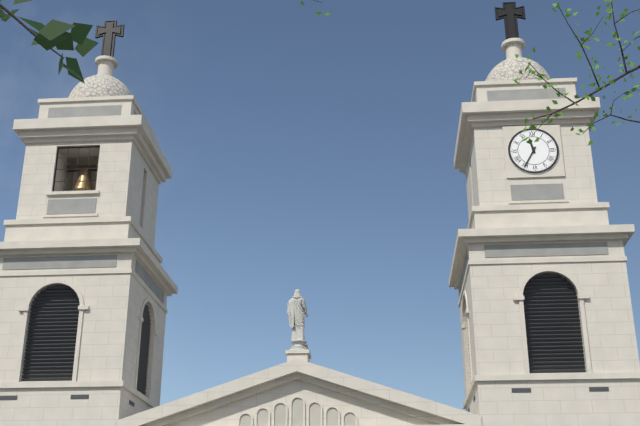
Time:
11.35
